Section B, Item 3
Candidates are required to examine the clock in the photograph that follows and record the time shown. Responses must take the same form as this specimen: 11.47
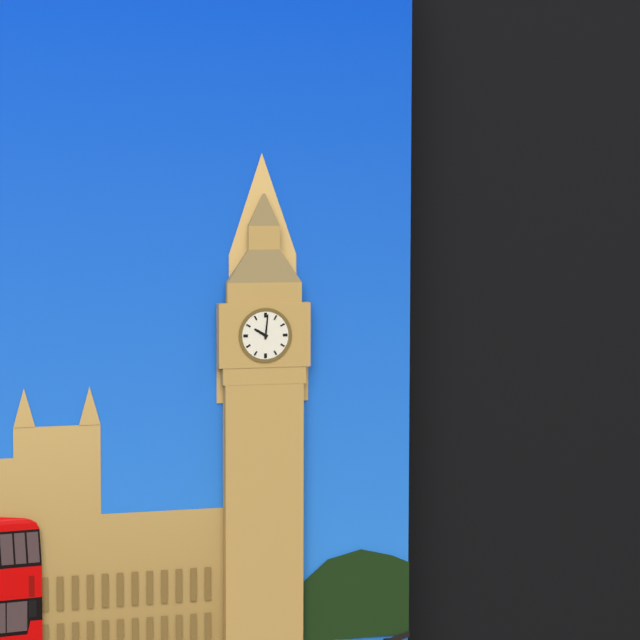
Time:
10.01
